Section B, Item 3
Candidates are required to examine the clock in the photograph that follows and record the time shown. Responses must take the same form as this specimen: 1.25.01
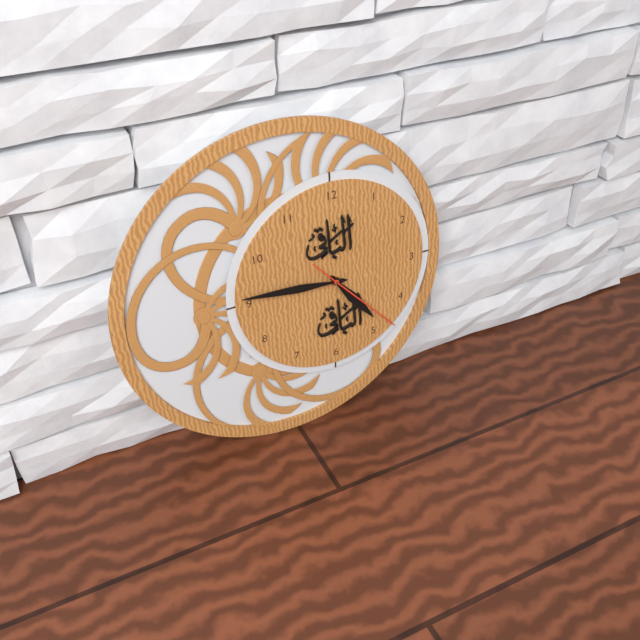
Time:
4.46.23
